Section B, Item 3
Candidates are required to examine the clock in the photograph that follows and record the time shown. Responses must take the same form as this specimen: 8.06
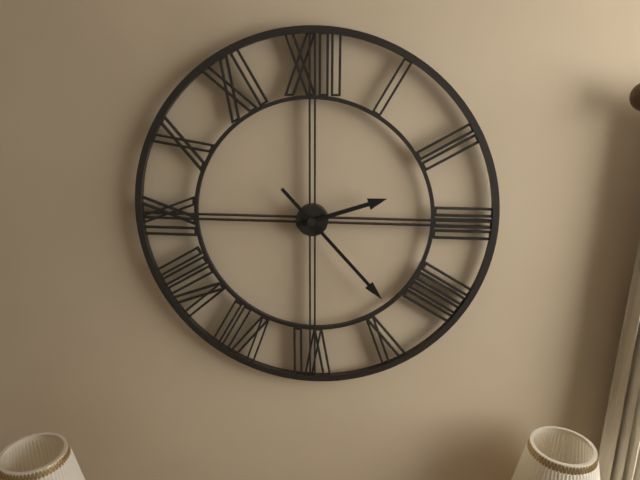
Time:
2.23
